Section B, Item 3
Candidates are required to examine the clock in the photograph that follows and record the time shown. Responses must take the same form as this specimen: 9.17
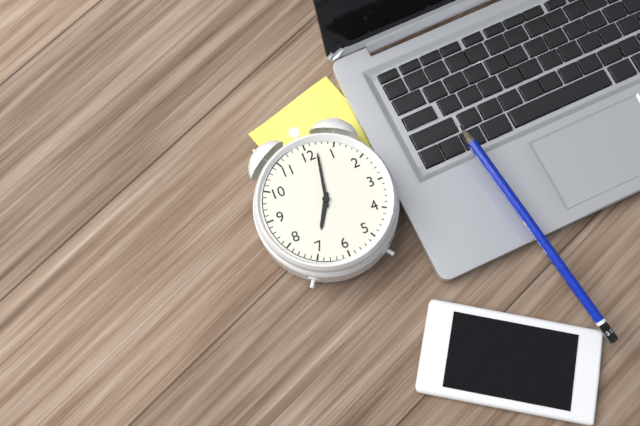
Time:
7.02
